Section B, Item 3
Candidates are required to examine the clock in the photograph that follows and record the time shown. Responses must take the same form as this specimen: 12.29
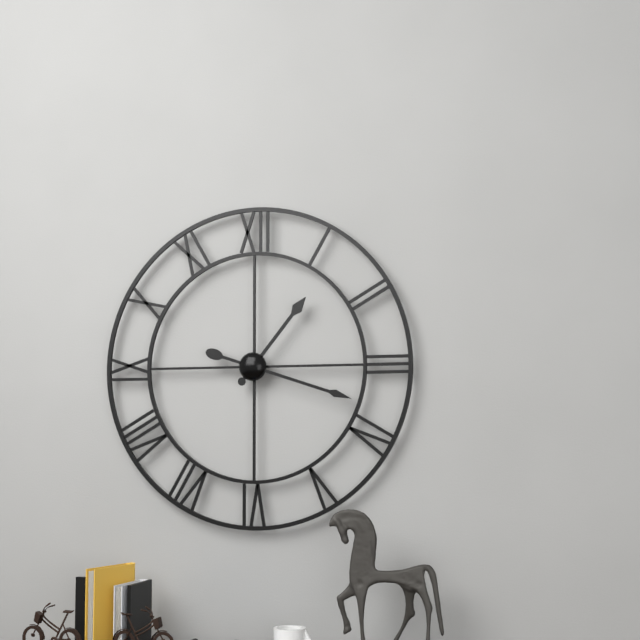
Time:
1.18
